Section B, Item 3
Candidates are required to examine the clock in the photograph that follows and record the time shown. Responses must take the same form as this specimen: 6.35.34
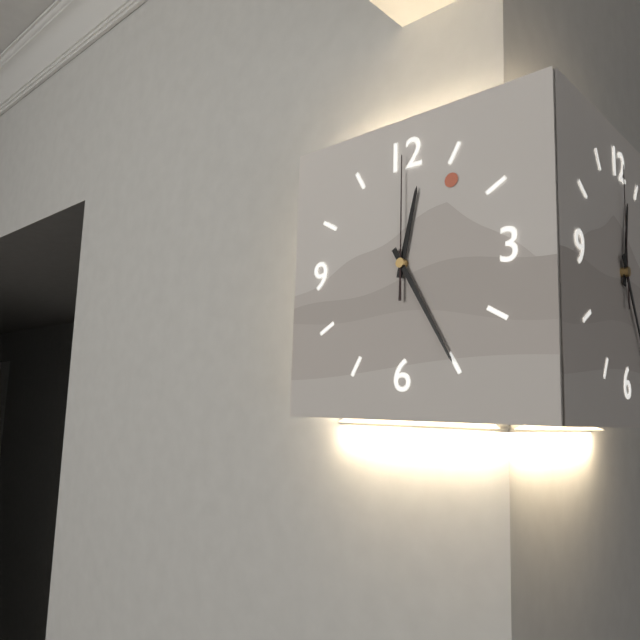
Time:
12.25.00
